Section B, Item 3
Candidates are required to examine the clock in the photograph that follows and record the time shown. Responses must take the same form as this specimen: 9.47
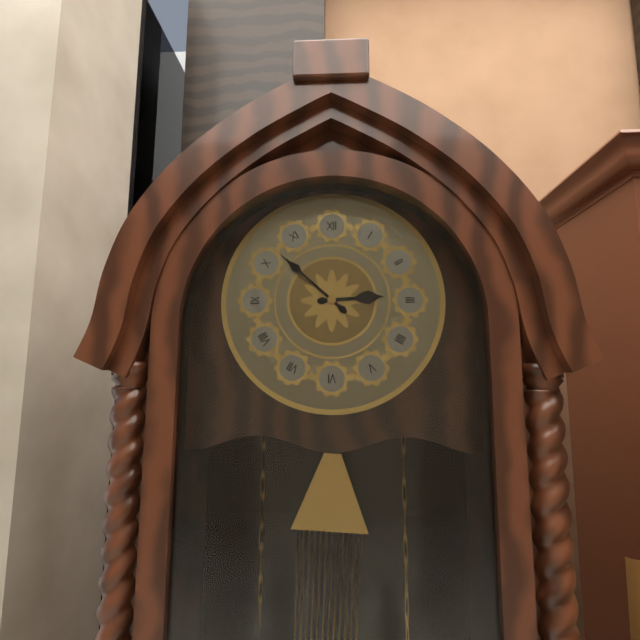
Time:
2.52
